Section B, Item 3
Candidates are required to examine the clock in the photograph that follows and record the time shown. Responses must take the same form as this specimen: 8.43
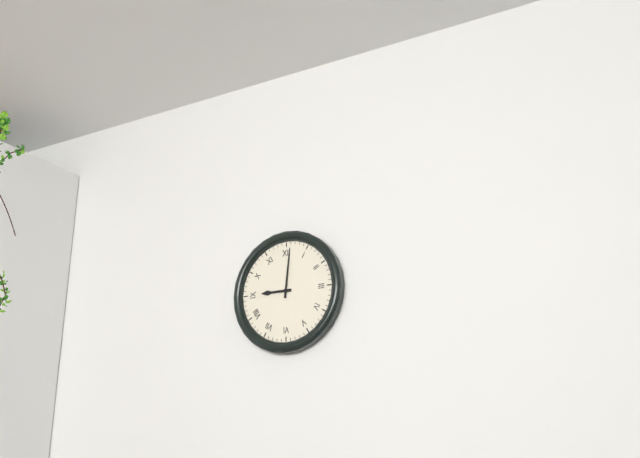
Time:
9.01
